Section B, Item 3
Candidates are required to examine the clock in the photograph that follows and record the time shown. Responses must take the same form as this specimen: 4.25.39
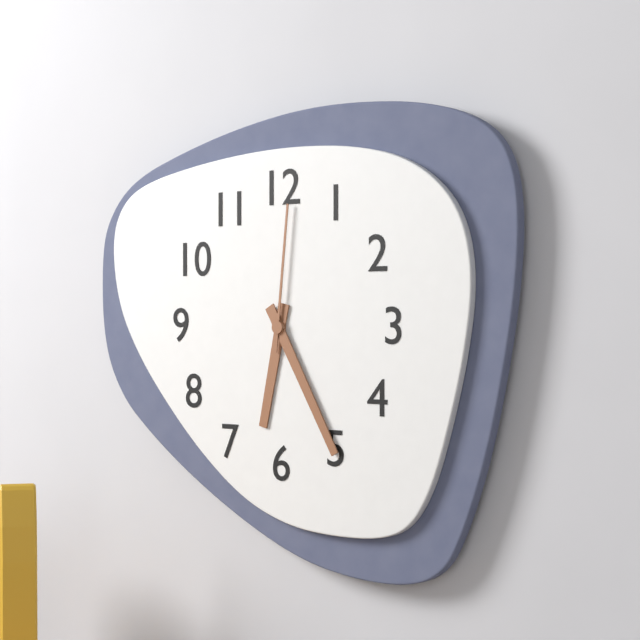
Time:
6.25.01
